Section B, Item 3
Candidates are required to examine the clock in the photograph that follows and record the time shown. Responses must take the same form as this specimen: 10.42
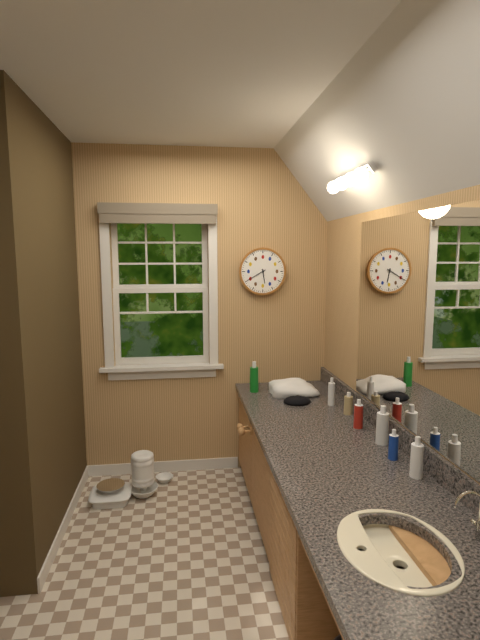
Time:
5.40
